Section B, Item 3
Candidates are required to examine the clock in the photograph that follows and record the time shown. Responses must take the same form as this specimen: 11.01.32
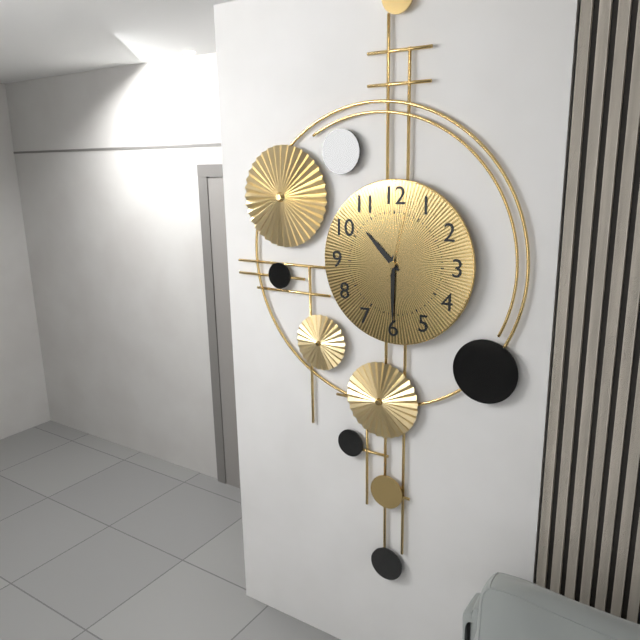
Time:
10.30.02
